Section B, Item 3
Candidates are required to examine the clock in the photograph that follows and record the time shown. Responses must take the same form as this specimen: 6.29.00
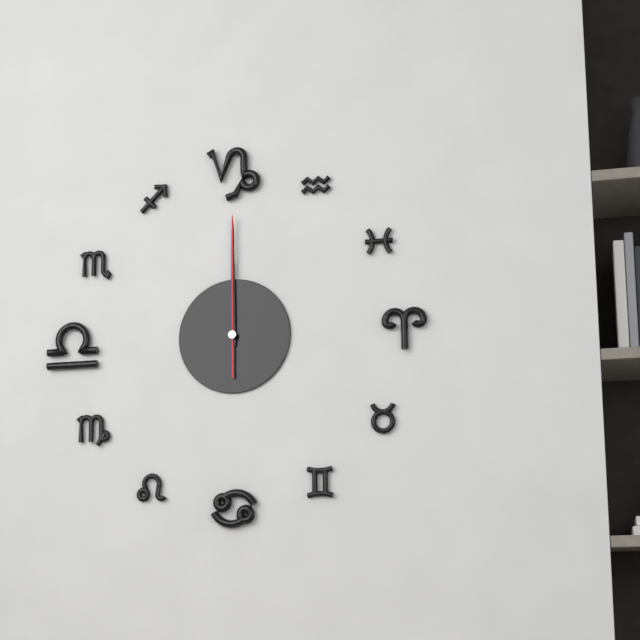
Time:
12.00.00
